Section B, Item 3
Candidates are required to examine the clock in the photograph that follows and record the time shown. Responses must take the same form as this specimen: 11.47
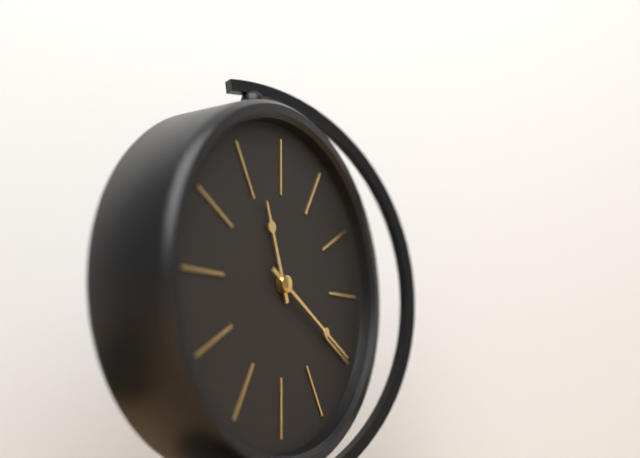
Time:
11.20
